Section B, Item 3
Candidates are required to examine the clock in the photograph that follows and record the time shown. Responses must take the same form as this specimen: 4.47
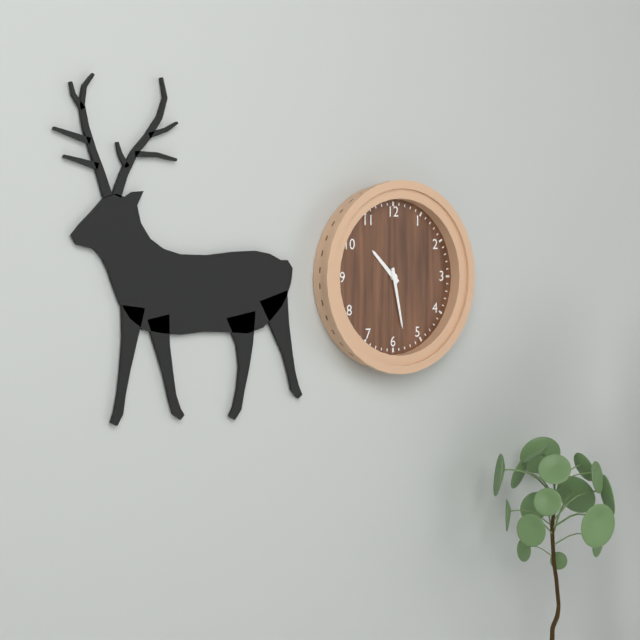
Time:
10.28
